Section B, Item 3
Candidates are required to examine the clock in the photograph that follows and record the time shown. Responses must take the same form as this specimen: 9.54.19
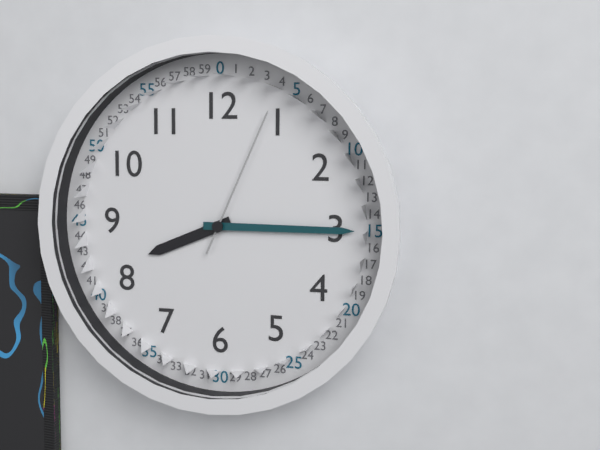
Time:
8.15.04
